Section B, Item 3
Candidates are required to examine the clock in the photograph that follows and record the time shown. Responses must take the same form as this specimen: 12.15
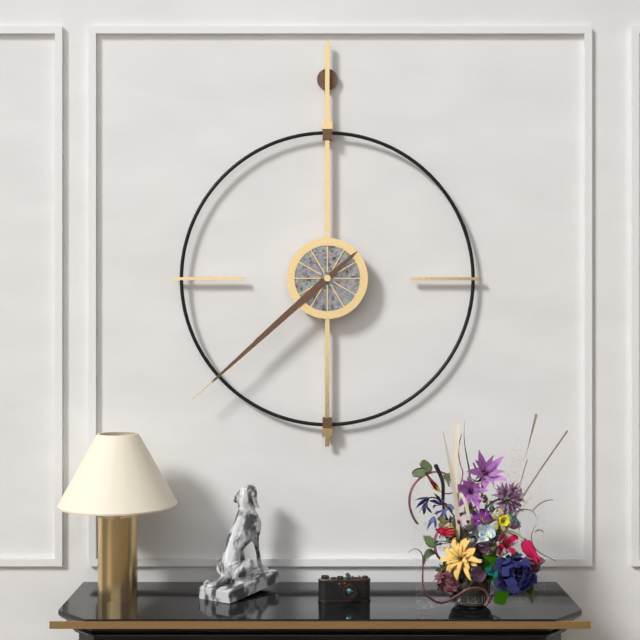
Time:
7.38
